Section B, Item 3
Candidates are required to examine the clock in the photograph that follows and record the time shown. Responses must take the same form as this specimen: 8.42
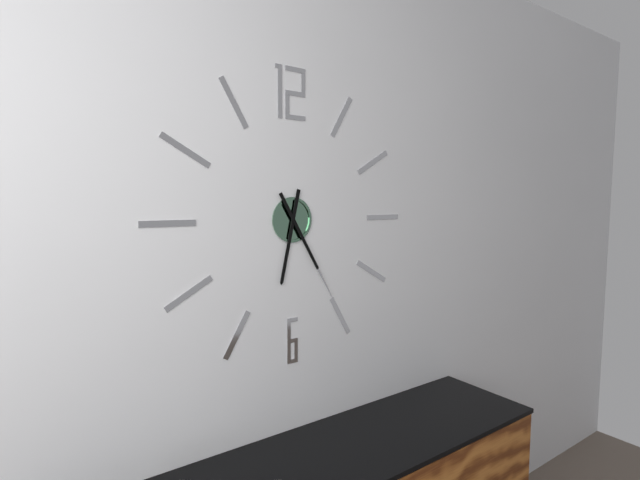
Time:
6.25
